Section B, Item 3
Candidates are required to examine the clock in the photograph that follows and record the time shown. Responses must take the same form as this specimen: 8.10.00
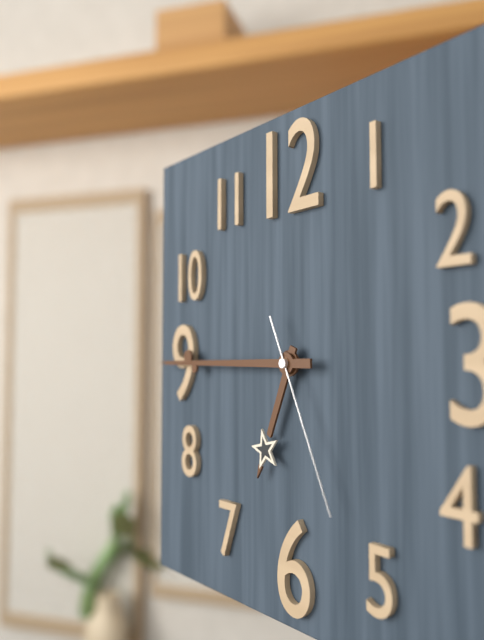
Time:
6.45.26
